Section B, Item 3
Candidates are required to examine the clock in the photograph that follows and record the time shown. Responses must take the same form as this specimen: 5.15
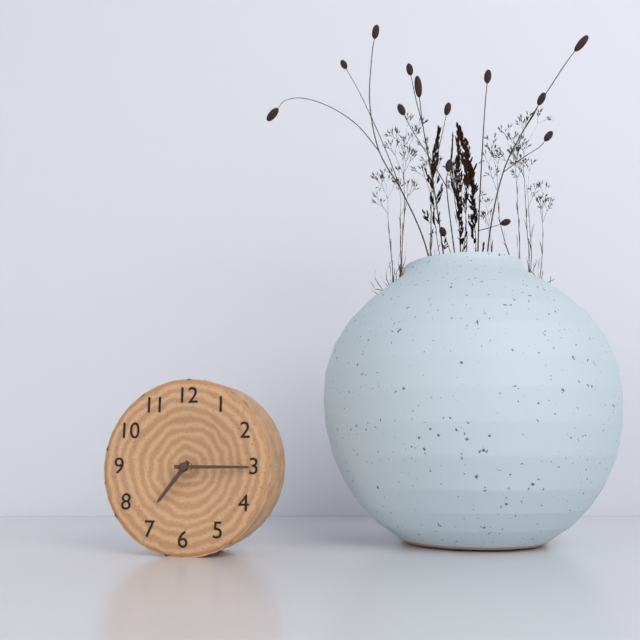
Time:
7.15
